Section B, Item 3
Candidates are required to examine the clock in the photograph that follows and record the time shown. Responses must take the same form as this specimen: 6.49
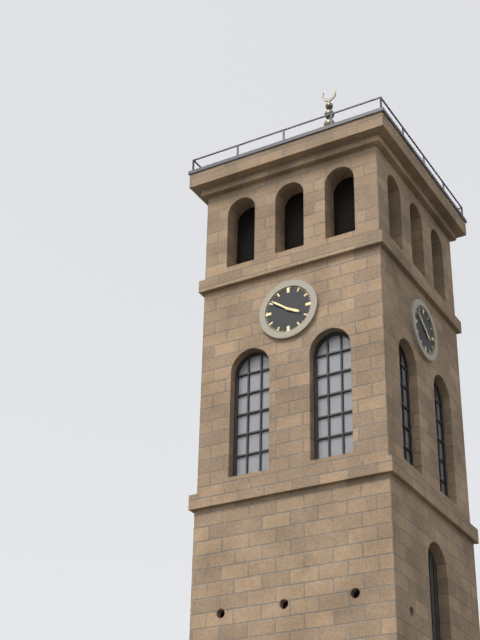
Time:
3.51
